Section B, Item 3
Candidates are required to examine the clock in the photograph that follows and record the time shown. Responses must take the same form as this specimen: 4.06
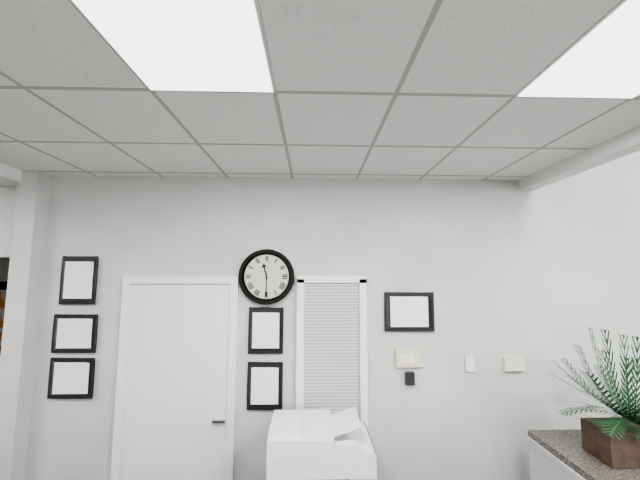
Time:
11.30
